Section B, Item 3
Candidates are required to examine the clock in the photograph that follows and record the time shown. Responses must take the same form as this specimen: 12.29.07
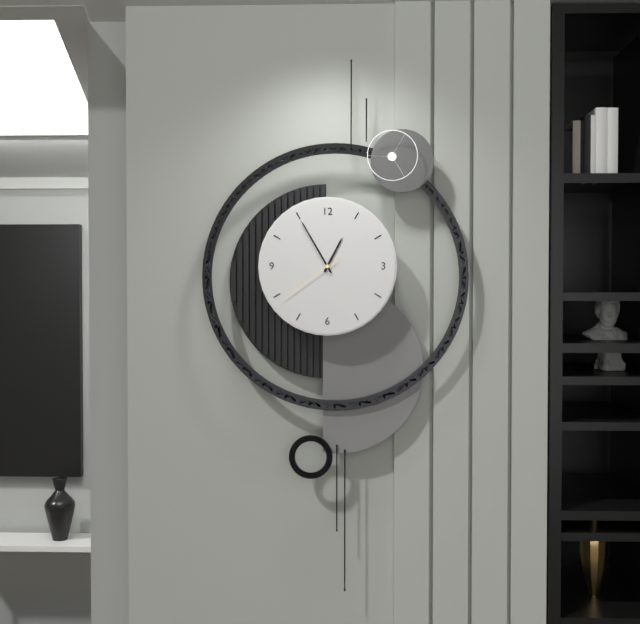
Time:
12.55.39
